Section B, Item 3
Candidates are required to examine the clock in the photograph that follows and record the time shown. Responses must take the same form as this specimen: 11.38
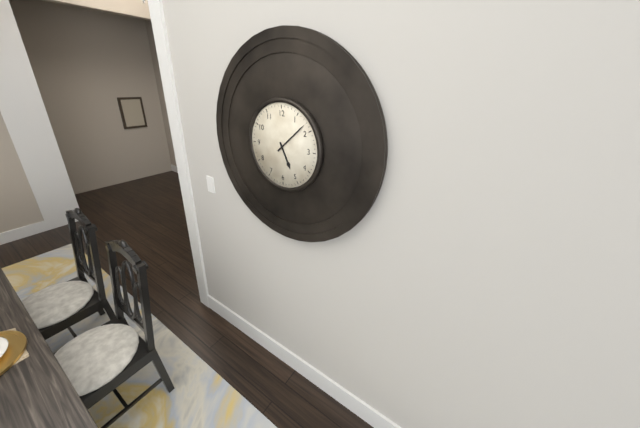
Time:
5.08
